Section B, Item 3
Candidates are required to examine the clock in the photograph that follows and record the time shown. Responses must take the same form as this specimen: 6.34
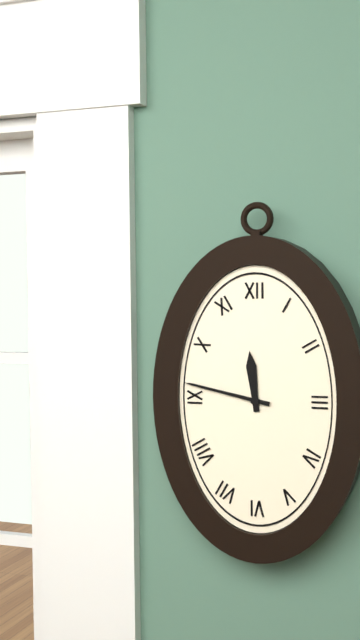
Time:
11.47
